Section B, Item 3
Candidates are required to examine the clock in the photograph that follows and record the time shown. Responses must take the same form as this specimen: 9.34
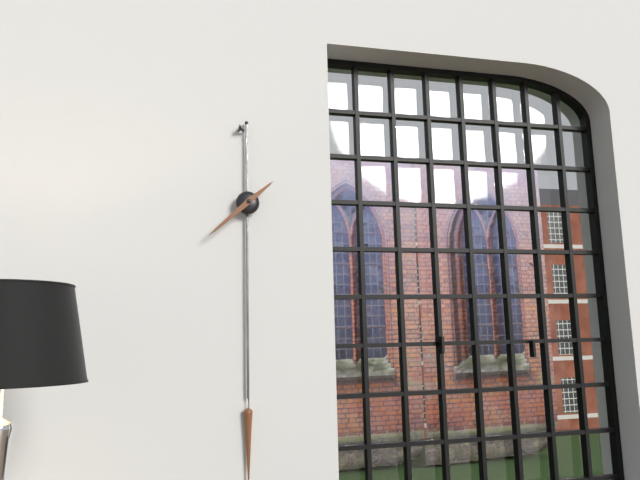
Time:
1.38
